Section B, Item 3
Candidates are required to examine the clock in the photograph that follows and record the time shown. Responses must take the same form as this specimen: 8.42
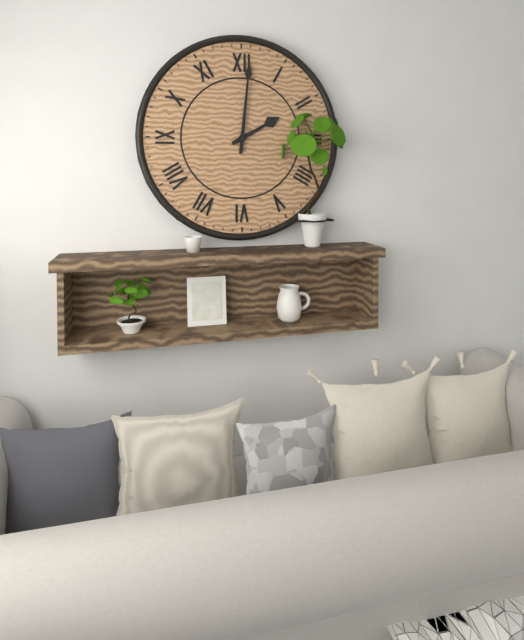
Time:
2.01
